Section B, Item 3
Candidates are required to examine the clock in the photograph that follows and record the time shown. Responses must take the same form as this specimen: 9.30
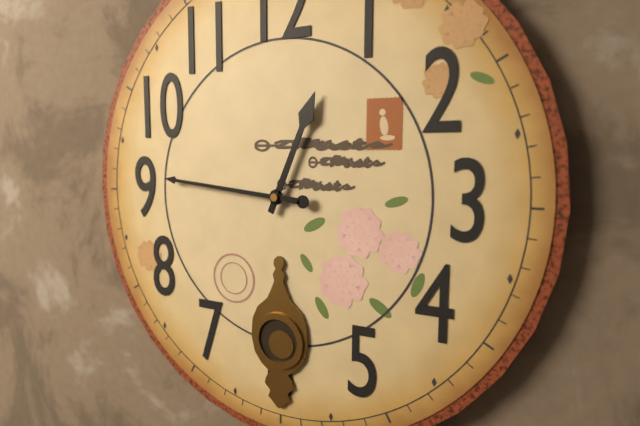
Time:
12.46
